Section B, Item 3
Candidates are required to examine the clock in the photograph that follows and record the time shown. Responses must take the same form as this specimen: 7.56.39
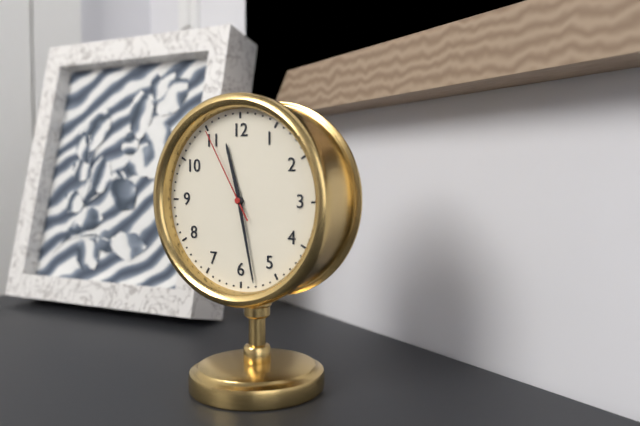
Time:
11.28.55
